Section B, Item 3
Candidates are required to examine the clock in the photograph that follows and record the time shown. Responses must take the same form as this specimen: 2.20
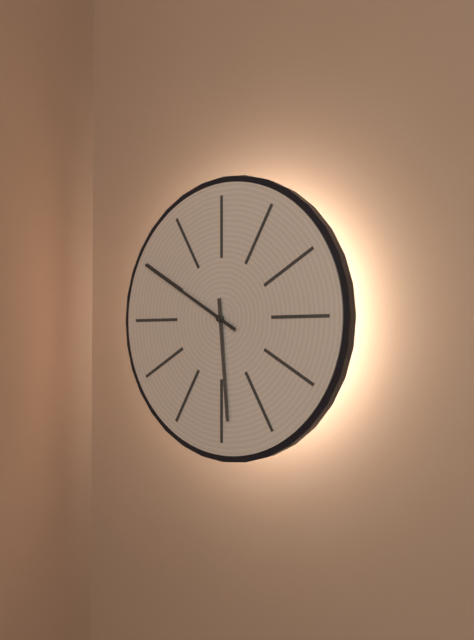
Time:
5.50
